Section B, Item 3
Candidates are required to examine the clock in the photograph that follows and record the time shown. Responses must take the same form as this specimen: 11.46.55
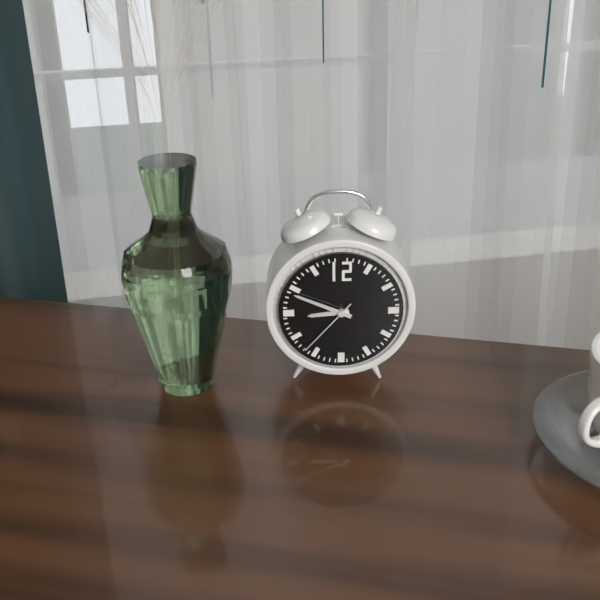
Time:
8.49.37
